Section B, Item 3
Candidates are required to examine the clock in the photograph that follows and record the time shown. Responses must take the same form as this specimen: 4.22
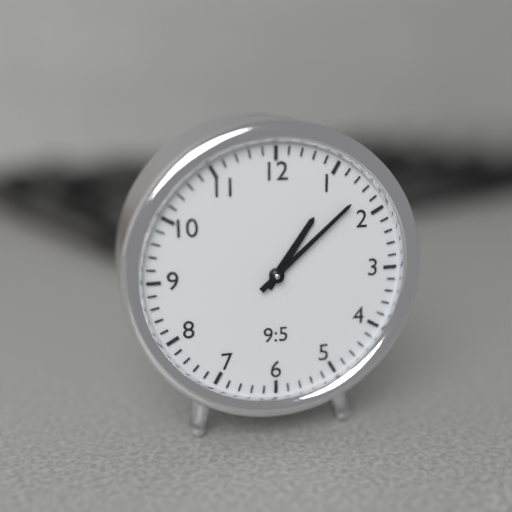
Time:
1.08
